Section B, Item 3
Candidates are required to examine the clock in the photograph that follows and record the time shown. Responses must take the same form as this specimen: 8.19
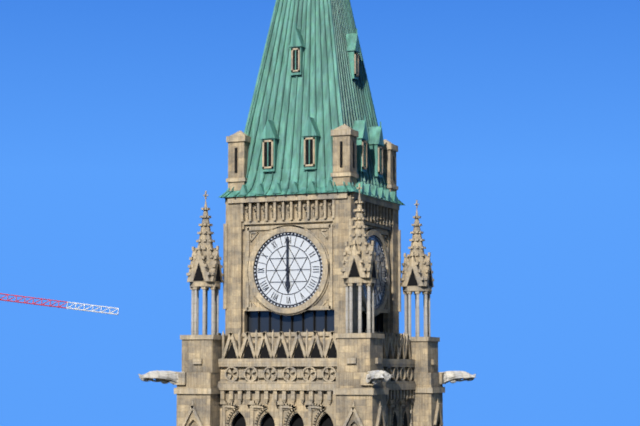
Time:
6.00
